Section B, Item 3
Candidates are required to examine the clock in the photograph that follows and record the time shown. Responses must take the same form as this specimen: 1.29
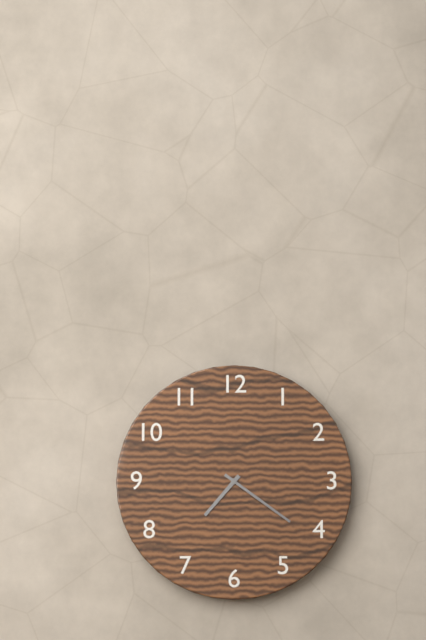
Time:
7.21
